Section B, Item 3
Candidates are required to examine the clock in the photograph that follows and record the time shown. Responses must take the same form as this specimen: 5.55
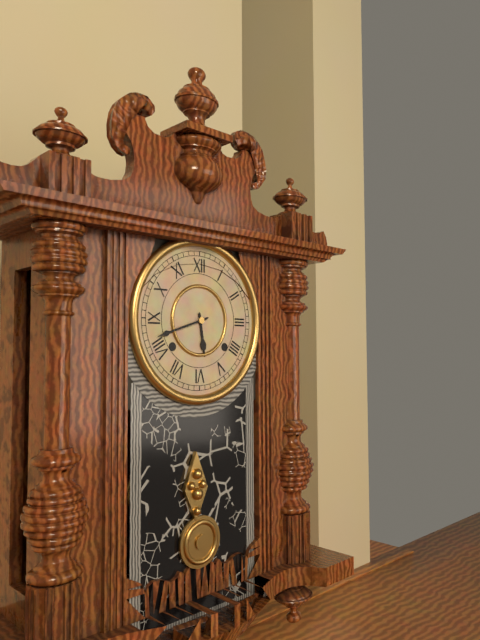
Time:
5.42
